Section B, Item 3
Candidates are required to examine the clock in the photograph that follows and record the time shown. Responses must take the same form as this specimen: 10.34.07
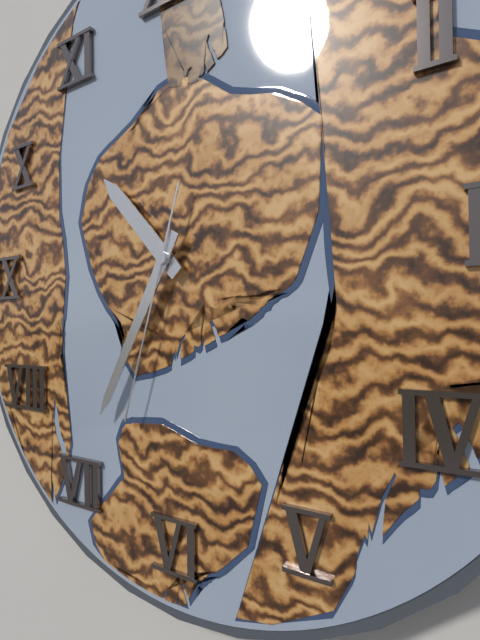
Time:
10.35.33
